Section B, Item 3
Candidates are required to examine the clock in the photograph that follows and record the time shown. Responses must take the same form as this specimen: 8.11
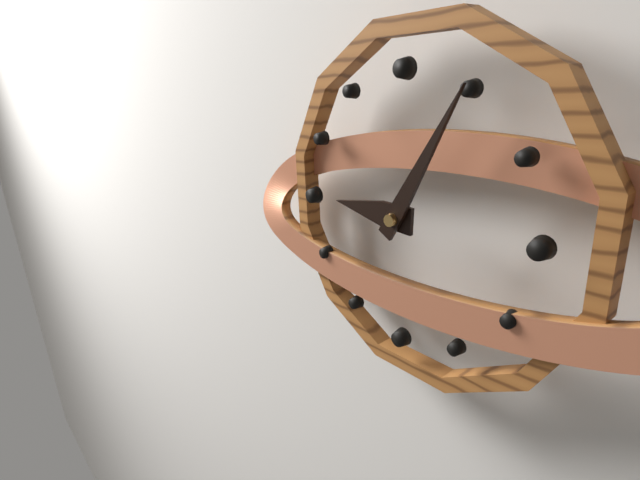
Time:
9.05
